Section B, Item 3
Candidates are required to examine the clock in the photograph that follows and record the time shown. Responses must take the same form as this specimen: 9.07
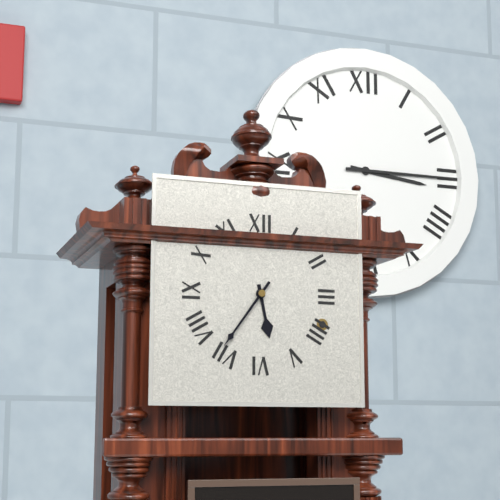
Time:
5.36
